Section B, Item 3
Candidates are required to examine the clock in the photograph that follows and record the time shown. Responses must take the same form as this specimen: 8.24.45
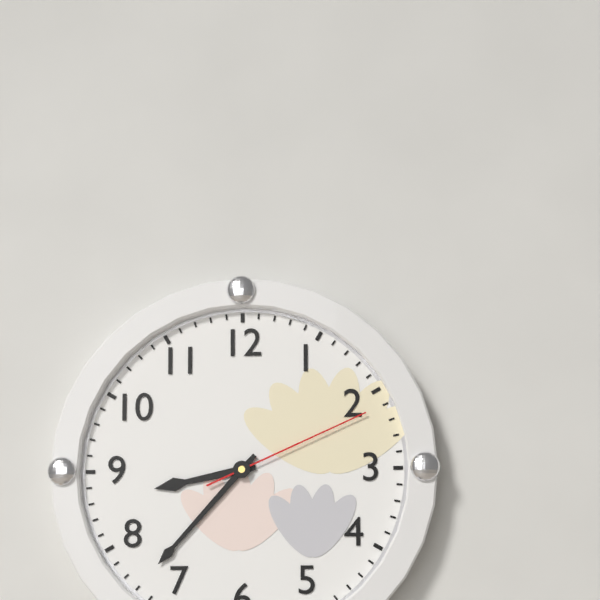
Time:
8.37.11
